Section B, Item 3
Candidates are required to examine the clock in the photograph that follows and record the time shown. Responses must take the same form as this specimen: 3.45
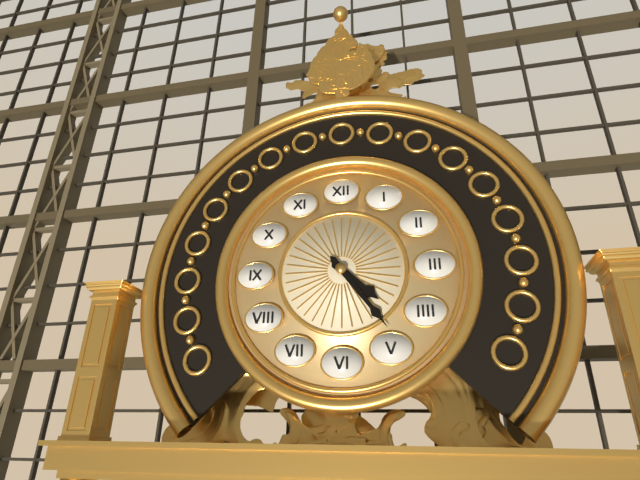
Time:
4.24
